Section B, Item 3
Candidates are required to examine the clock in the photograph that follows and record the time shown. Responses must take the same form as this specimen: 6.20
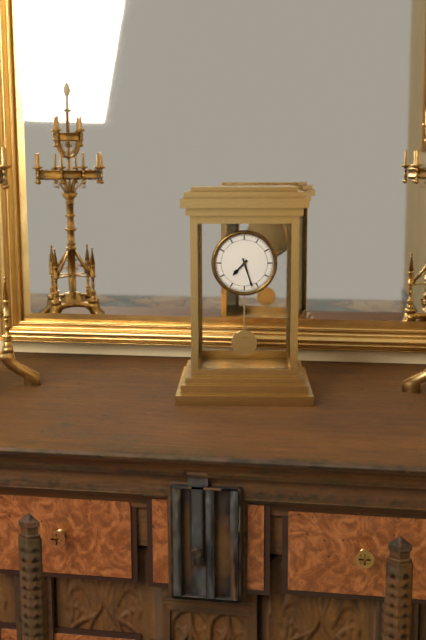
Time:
7.27
